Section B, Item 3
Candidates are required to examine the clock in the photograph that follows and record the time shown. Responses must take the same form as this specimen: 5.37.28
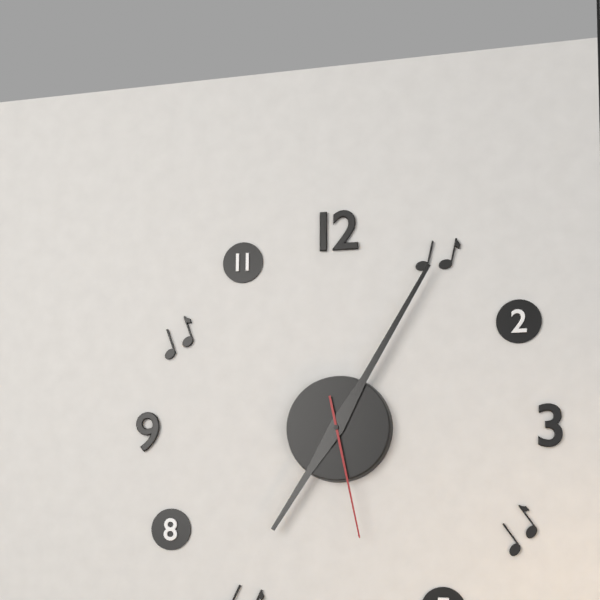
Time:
7.05.28
